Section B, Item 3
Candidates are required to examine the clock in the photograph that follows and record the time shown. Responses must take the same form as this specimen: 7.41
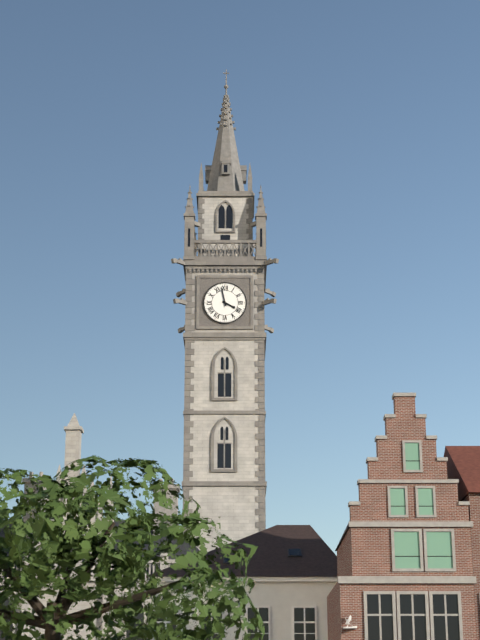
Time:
3.58
